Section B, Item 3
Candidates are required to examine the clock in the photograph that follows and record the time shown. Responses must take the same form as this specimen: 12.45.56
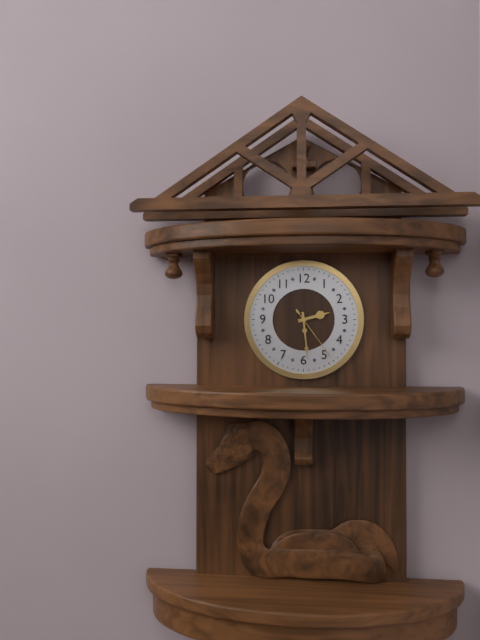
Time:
2.29.24
